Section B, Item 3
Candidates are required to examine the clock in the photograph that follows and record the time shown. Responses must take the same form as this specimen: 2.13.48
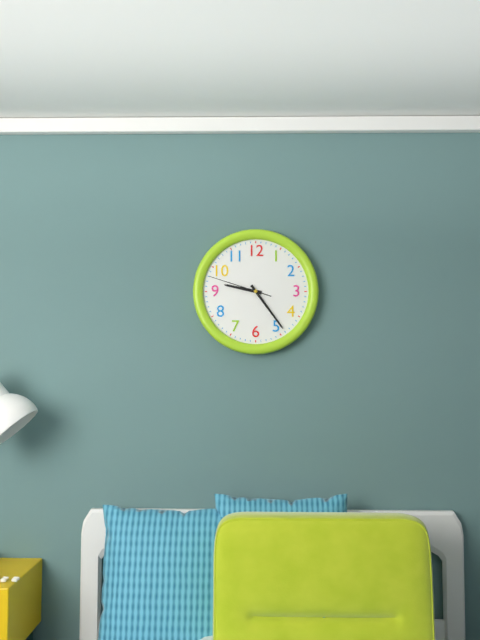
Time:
9.24.48
